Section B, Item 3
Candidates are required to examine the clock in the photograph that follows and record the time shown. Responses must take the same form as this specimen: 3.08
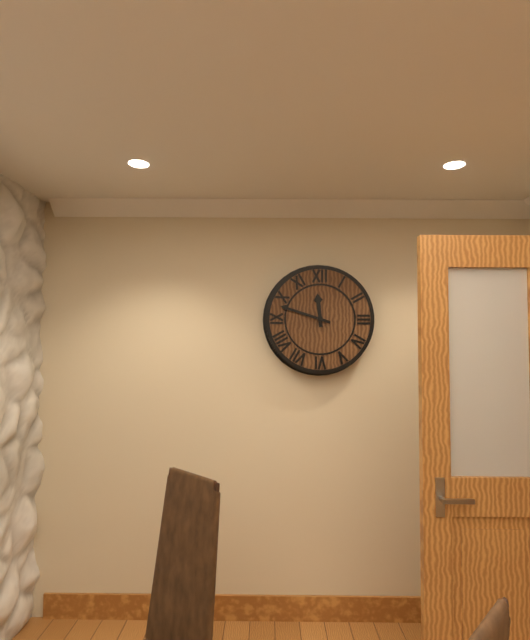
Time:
11.48
